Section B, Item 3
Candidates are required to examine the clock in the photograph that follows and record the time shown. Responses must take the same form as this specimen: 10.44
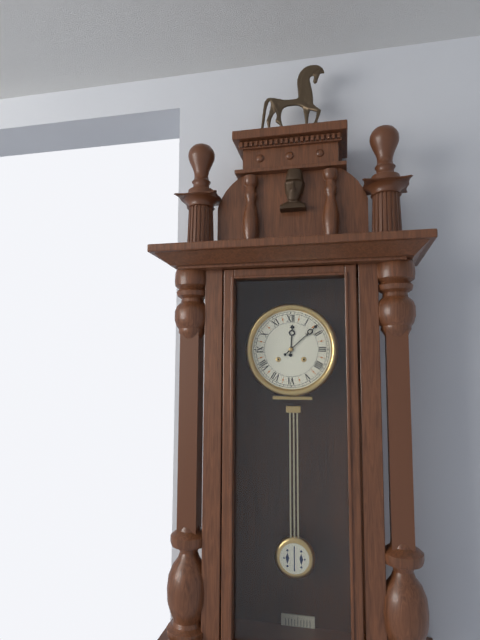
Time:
12.08
